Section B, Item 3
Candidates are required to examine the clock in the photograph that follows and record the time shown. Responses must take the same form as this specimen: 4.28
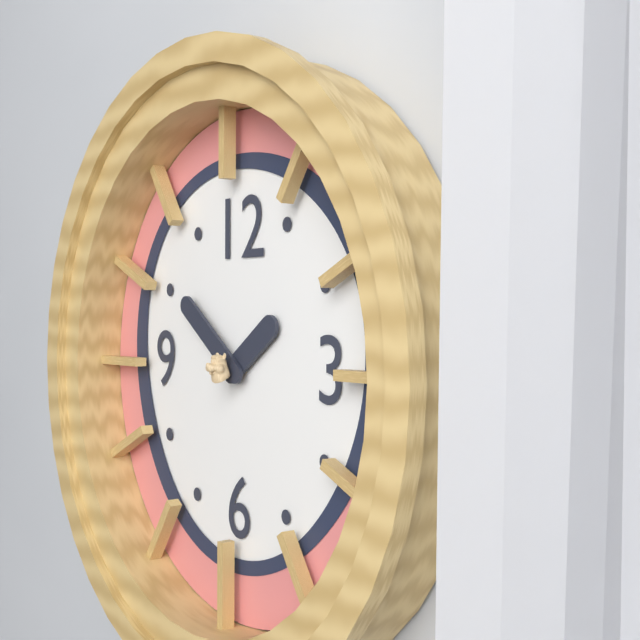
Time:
1.51
